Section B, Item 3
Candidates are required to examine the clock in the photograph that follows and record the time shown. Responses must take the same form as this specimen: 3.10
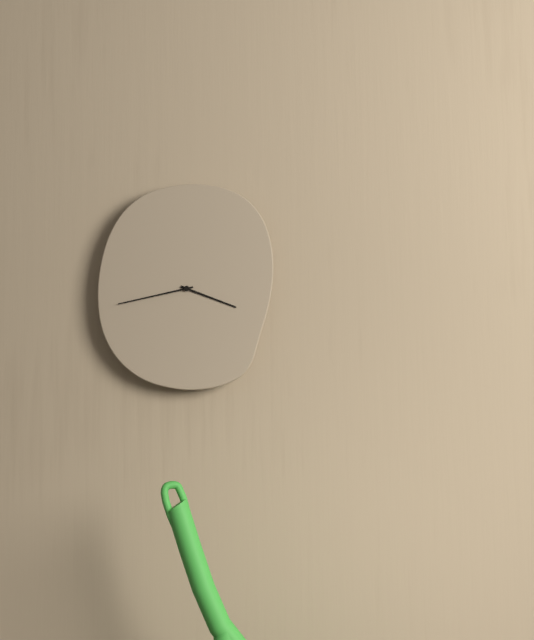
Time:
3.43
